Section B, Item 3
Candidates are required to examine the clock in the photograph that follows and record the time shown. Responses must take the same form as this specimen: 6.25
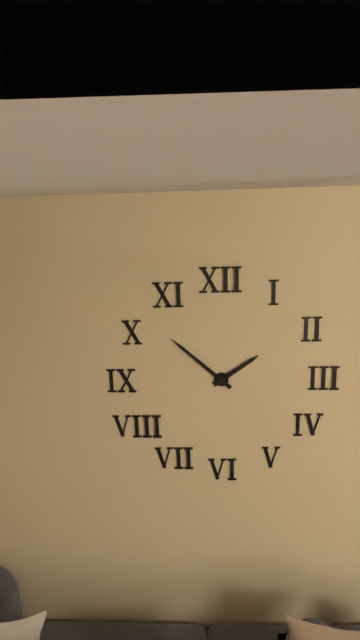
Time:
1.52
